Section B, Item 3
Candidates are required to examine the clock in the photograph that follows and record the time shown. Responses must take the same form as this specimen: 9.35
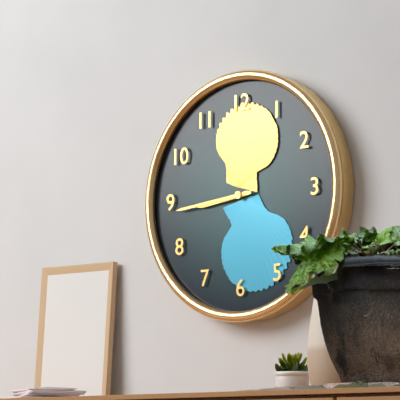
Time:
8.44
